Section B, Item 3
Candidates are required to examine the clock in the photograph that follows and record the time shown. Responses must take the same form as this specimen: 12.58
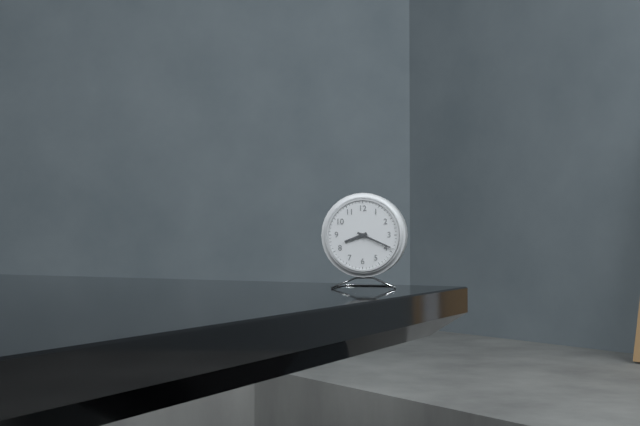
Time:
8.19
